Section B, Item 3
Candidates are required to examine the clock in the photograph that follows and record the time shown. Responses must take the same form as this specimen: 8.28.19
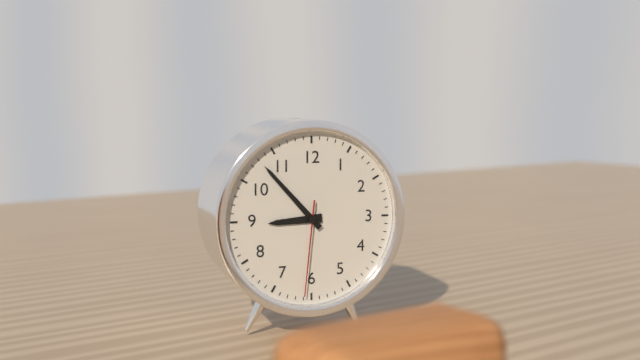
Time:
8.53.31
